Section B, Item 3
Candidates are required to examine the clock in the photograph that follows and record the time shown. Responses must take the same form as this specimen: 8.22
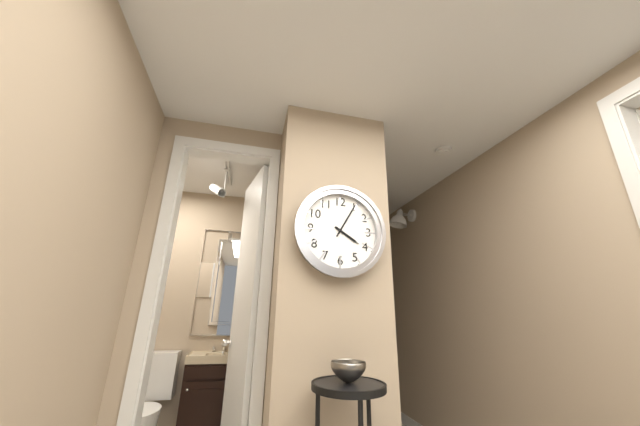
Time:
4.05
